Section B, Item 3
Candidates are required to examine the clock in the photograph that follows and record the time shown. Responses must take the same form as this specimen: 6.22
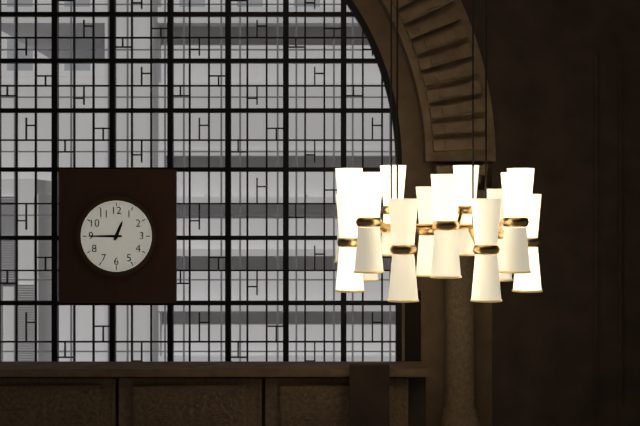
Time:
12.45
